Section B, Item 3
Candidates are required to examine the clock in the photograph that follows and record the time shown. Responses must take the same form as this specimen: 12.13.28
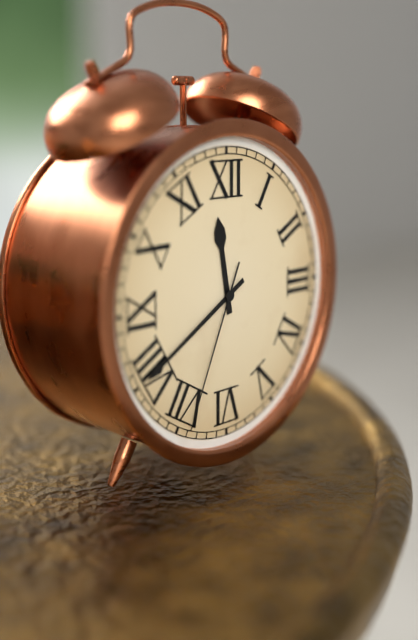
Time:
11.40.34
